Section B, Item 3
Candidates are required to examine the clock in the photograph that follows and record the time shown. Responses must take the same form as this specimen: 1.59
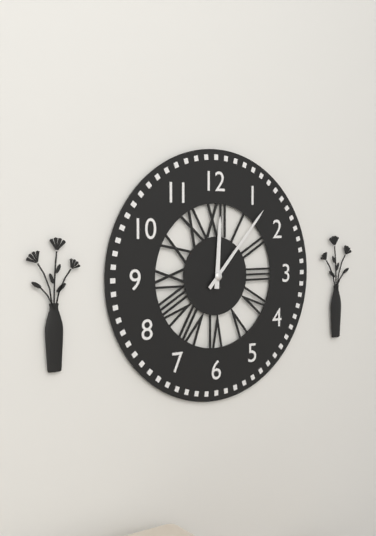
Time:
12.07
